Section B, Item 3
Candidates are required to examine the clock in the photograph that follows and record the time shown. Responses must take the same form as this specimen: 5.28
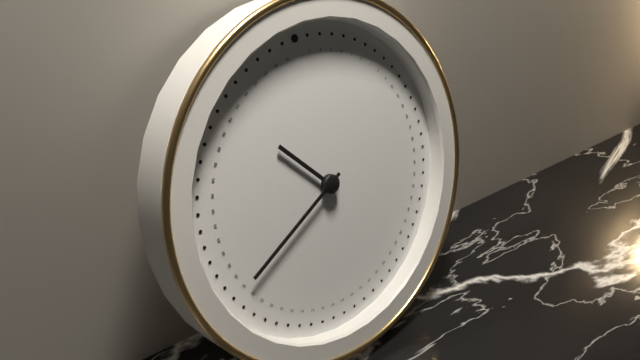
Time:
10.41
